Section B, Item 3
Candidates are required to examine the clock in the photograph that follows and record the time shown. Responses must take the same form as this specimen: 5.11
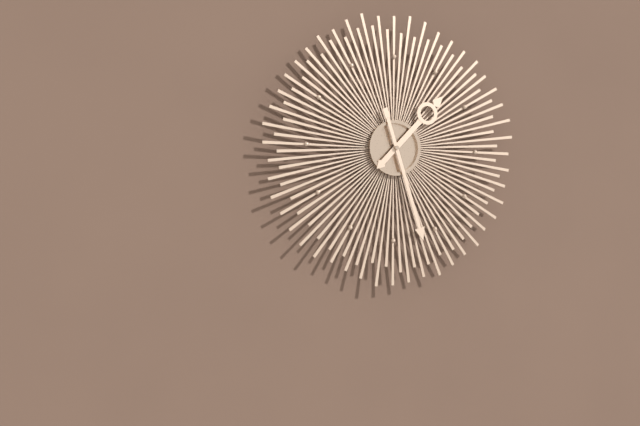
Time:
1.27
